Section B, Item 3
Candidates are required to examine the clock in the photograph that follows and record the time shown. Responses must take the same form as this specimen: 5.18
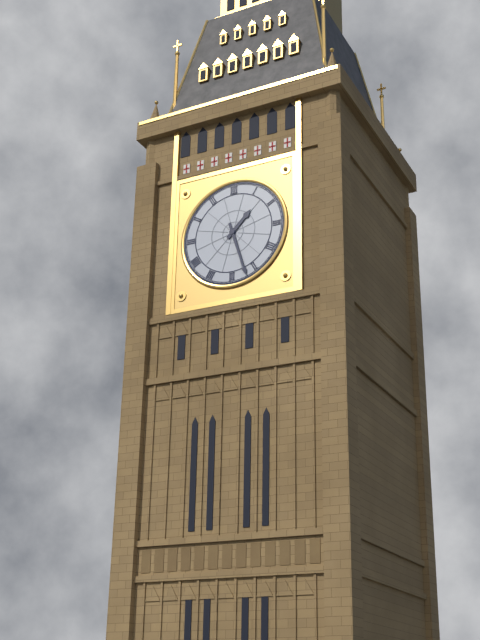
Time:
1.27
